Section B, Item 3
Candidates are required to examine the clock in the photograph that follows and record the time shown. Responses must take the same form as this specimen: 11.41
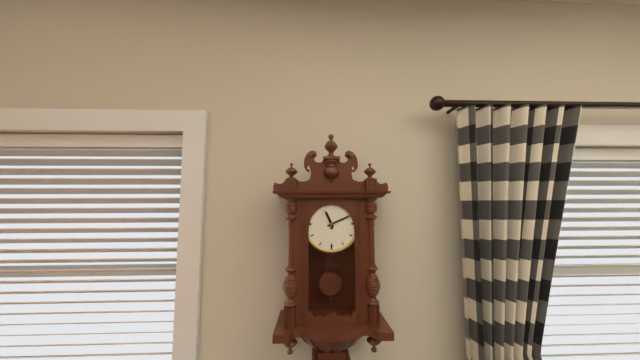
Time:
11.11
